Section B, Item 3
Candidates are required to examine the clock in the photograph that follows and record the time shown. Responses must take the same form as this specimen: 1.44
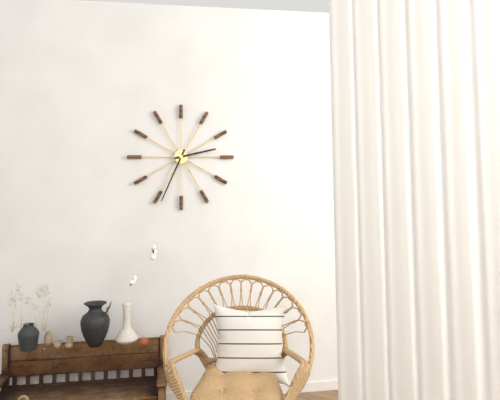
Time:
2.34
